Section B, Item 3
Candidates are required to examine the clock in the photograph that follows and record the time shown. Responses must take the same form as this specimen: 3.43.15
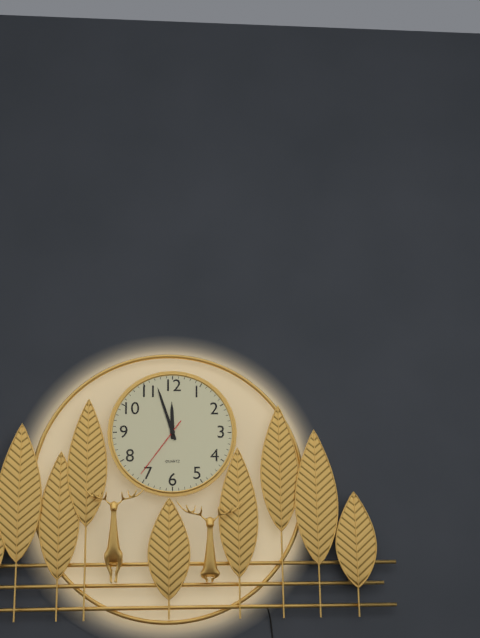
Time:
11.57.36
